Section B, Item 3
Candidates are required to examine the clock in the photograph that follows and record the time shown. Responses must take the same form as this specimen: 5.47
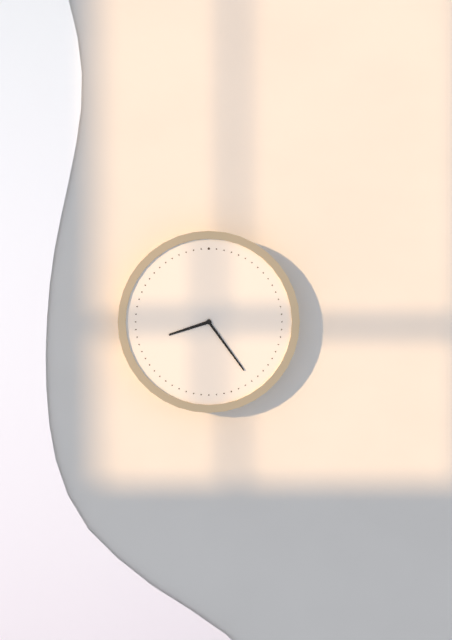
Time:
8.24
